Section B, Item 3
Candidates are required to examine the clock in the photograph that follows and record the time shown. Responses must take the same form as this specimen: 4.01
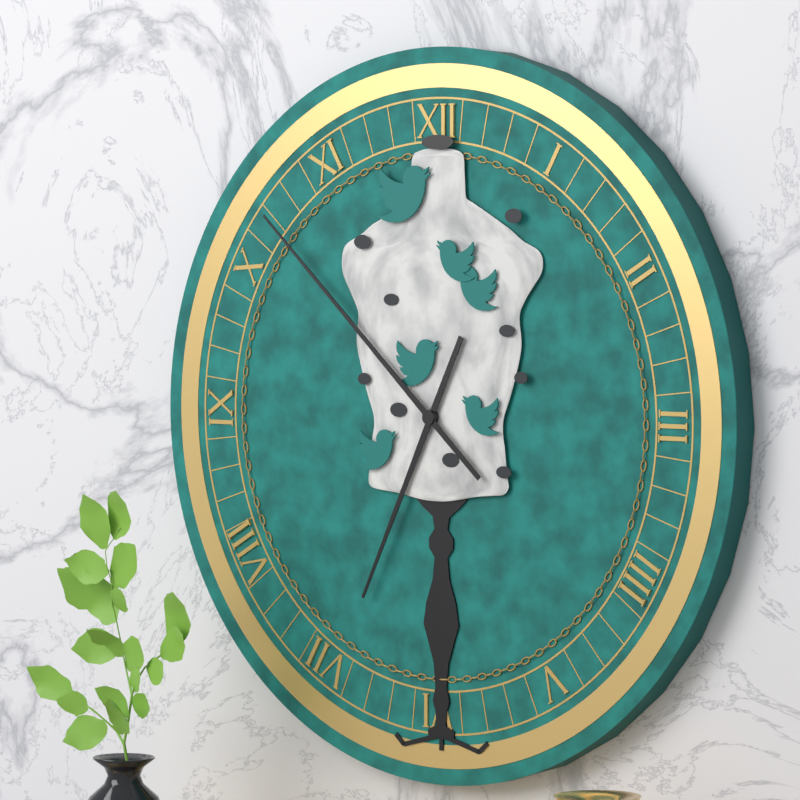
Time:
6.52
